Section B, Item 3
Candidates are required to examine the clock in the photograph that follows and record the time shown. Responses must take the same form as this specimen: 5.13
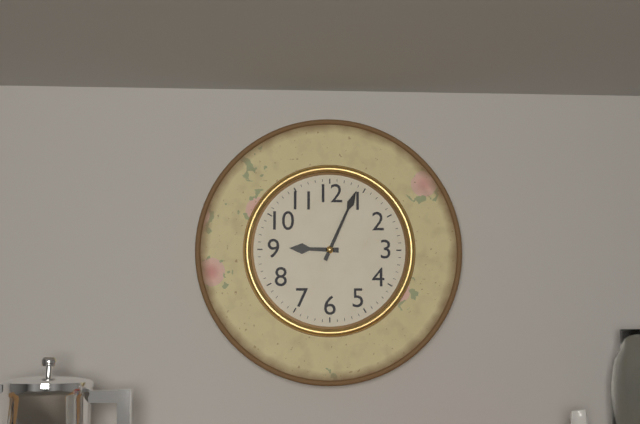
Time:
9.04
